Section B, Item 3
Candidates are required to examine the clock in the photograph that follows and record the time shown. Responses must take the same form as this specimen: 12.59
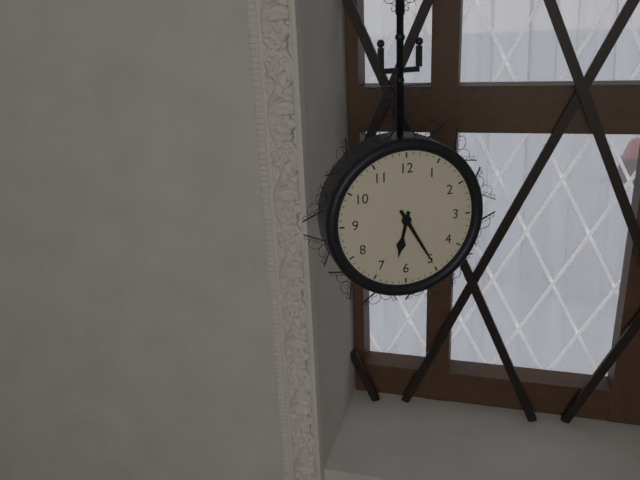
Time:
6.25
